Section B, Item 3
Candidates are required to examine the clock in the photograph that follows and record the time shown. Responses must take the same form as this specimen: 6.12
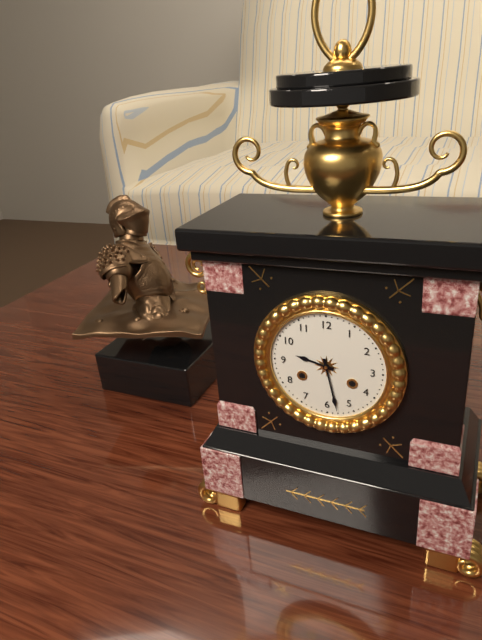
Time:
9.28
